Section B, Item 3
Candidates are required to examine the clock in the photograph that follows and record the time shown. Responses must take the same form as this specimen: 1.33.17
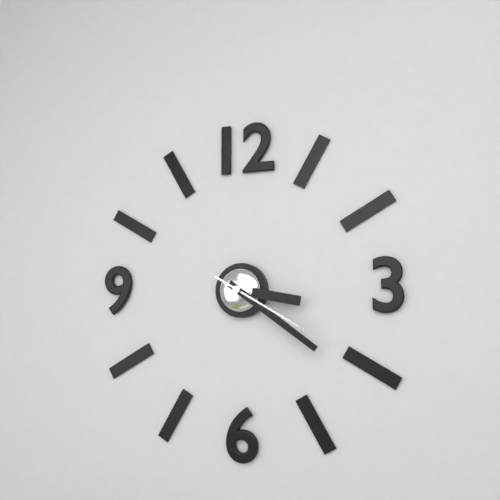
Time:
3.21.20
